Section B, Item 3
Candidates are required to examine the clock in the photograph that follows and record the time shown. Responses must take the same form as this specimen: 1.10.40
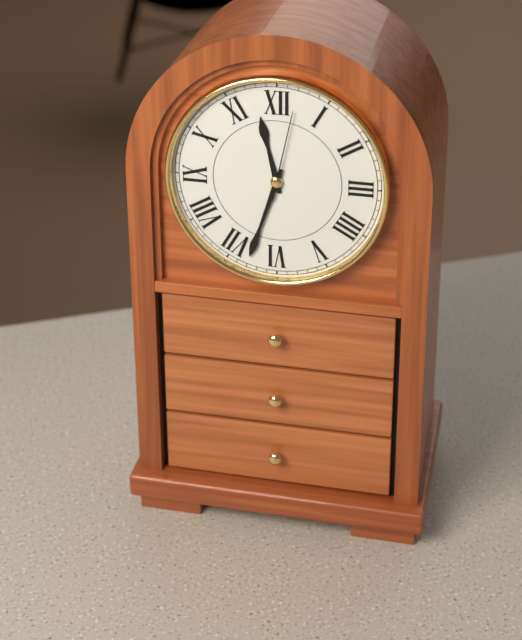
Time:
11.33.02
